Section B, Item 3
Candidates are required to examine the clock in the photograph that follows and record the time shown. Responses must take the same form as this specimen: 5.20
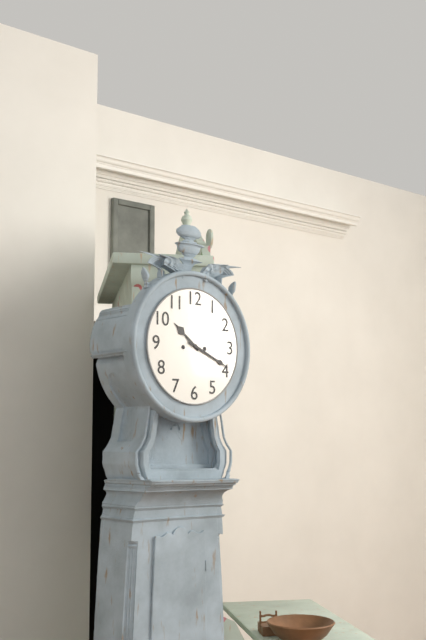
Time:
10.19
